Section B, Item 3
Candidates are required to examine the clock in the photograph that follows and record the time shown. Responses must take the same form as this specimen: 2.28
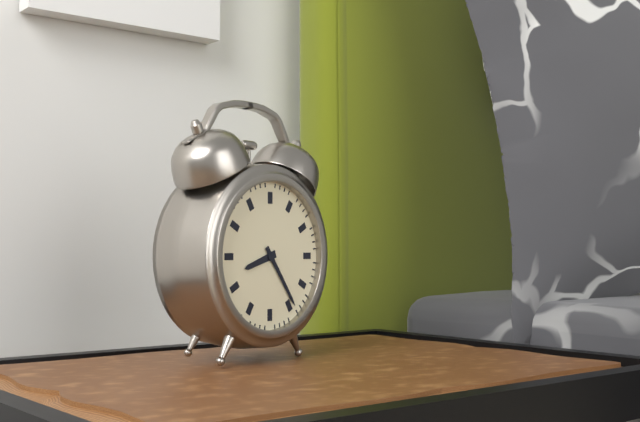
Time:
8.24
